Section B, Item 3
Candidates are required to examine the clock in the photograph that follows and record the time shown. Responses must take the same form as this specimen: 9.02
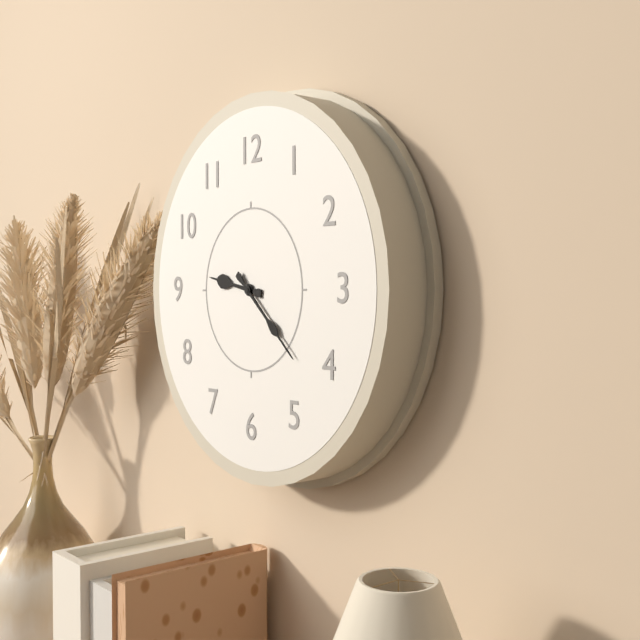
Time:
9.22
